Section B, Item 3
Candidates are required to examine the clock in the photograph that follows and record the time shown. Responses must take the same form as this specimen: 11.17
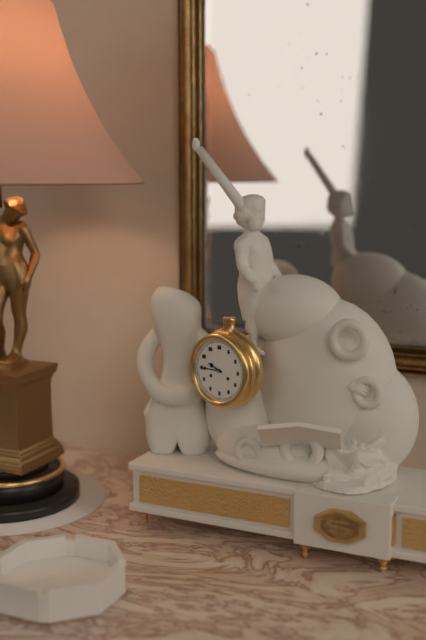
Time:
9.45
